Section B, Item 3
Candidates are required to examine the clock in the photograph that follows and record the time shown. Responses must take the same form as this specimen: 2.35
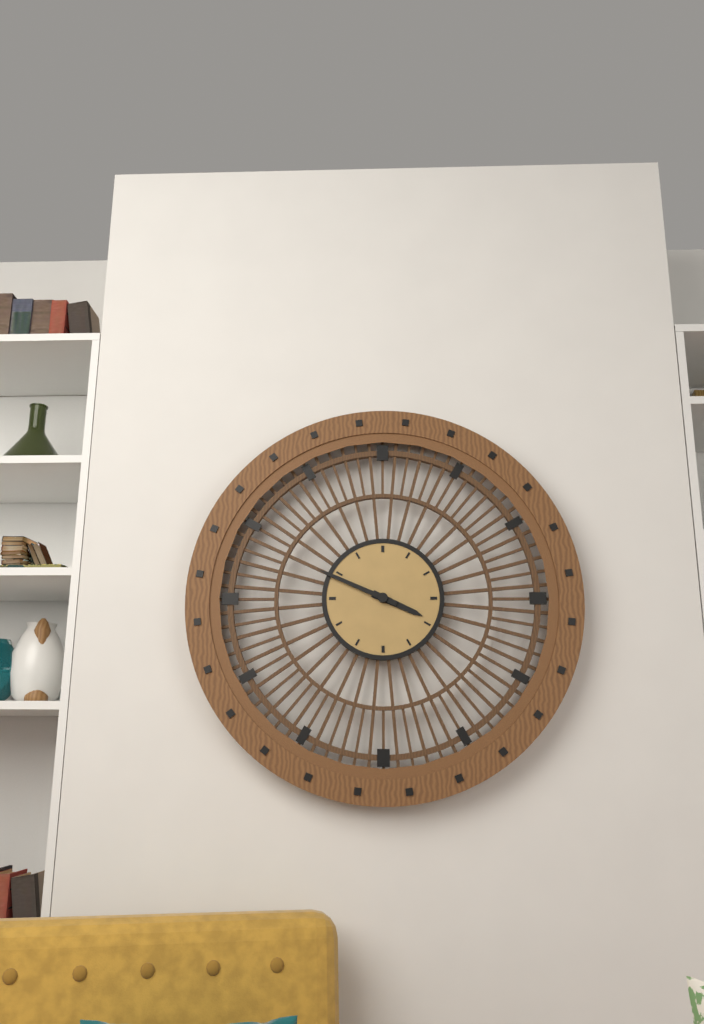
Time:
3.49
